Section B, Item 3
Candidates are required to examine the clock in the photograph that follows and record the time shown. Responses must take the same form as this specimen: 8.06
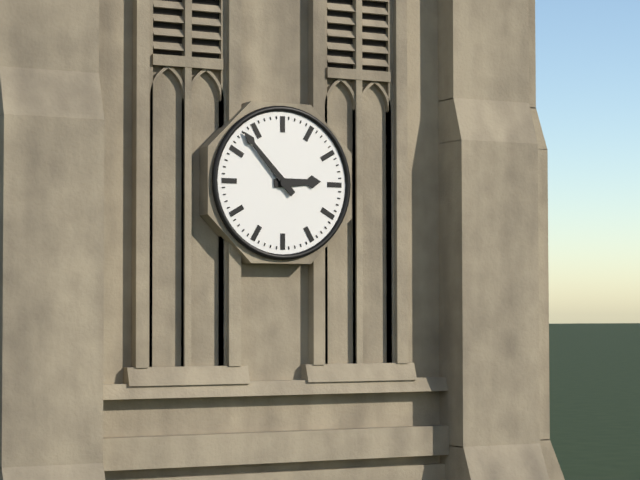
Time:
2.53
